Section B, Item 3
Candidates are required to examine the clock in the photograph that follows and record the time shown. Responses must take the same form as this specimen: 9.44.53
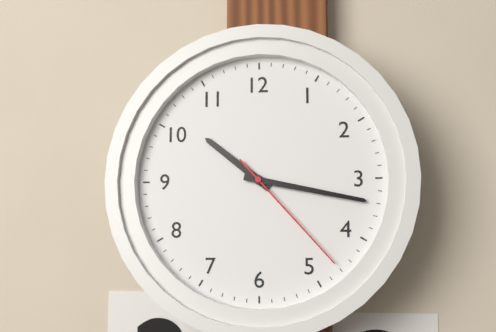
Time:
10.17.23
